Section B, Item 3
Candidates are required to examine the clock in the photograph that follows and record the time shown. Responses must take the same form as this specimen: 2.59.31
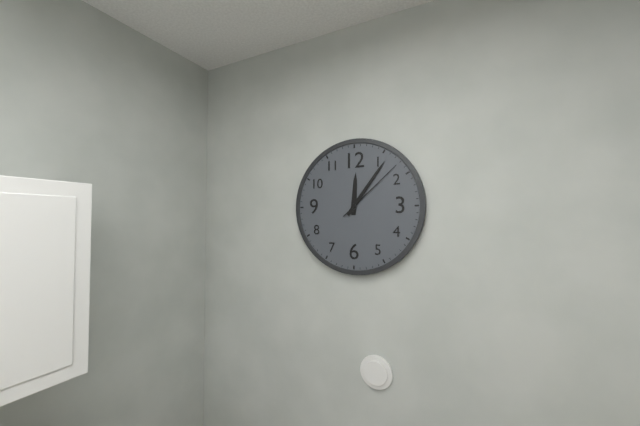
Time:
12.06.08
